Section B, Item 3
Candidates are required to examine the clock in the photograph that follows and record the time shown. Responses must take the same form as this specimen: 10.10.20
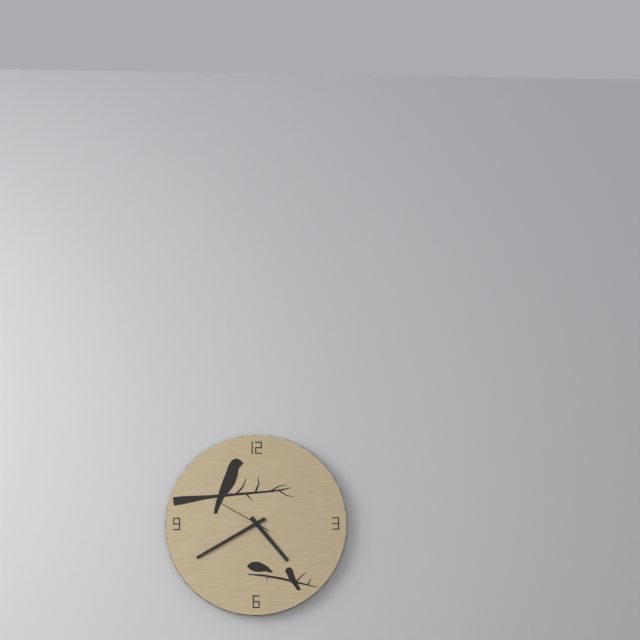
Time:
4.40.50
